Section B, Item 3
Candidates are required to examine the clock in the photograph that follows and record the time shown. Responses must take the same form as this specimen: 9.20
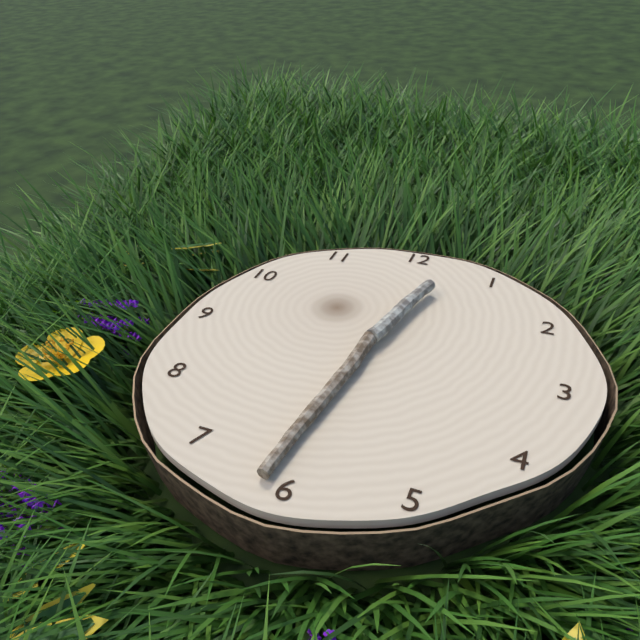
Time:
12.31
